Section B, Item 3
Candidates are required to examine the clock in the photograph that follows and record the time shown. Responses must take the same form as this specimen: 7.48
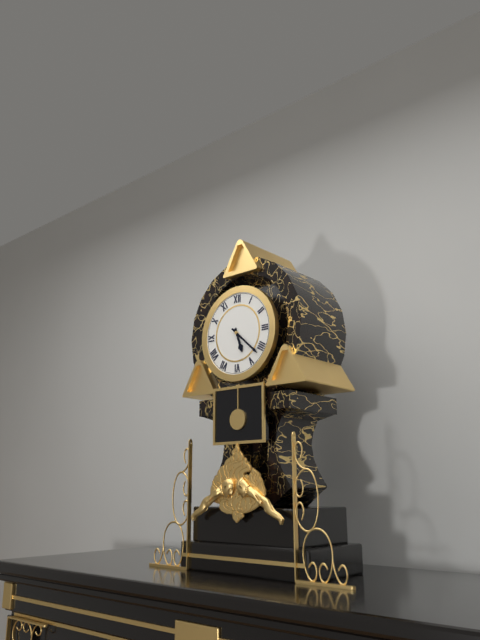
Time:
5.22
